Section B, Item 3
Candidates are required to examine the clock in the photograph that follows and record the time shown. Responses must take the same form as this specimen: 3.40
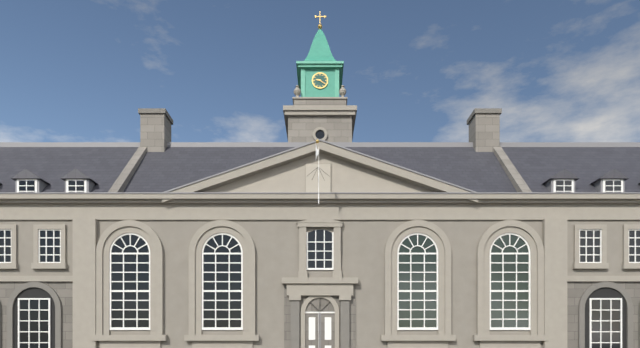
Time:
9.21
